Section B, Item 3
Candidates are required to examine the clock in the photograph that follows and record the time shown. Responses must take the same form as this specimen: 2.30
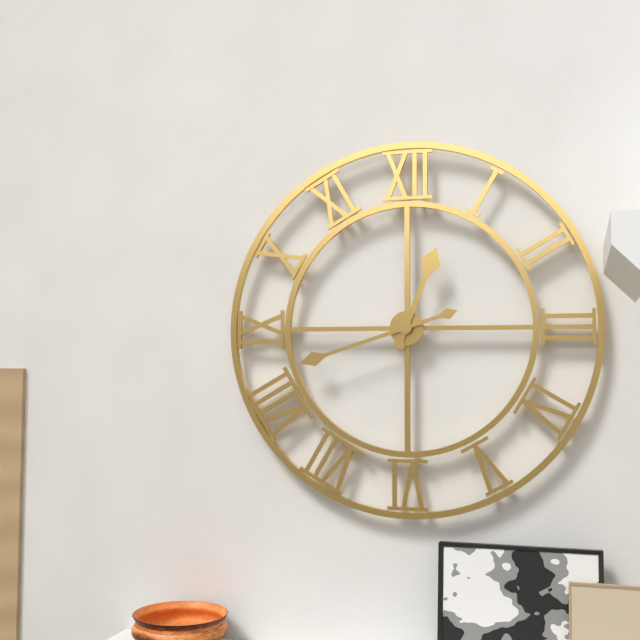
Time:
12.42
